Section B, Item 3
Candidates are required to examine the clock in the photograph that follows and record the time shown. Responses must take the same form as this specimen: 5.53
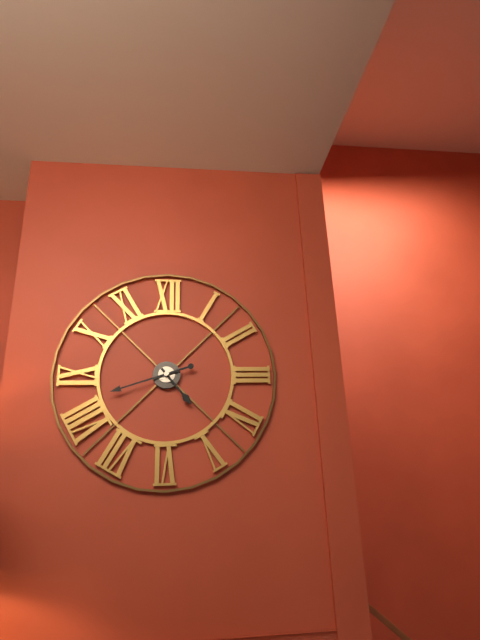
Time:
4.42
